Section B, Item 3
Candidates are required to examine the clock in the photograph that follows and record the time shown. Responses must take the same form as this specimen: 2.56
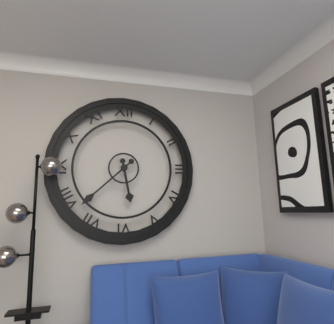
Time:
5.38
